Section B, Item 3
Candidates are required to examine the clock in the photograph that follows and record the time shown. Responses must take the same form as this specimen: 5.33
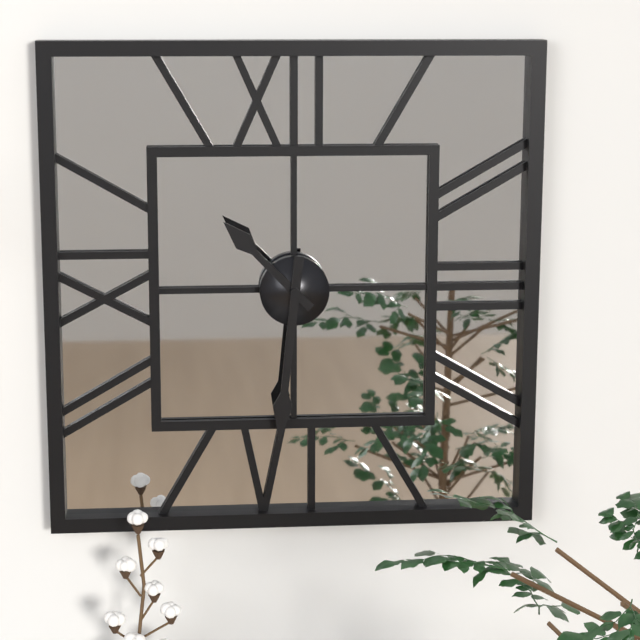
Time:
10.31
